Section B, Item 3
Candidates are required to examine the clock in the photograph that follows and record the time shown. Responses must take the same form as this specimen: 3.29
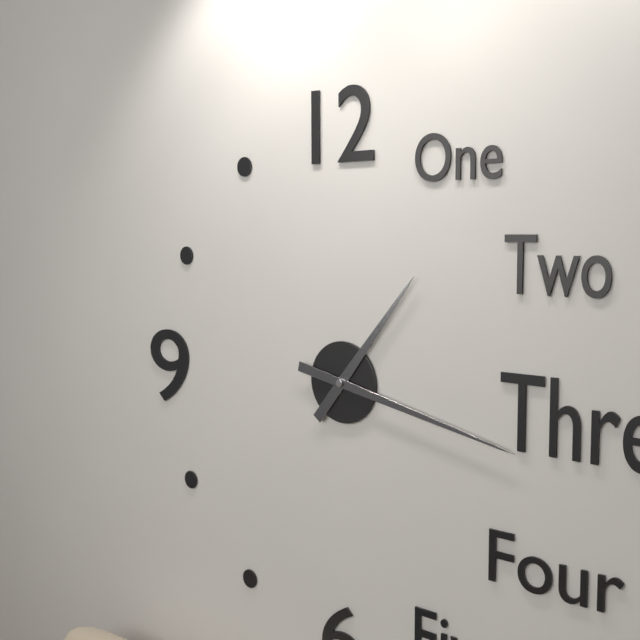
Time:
1.17
